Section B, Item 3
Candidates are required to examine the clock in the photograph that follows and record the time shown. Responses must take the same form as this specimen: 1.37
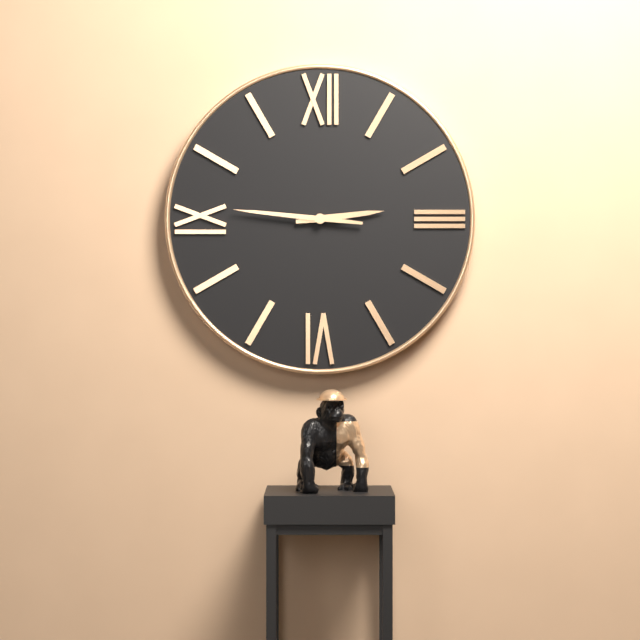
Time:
2.46
